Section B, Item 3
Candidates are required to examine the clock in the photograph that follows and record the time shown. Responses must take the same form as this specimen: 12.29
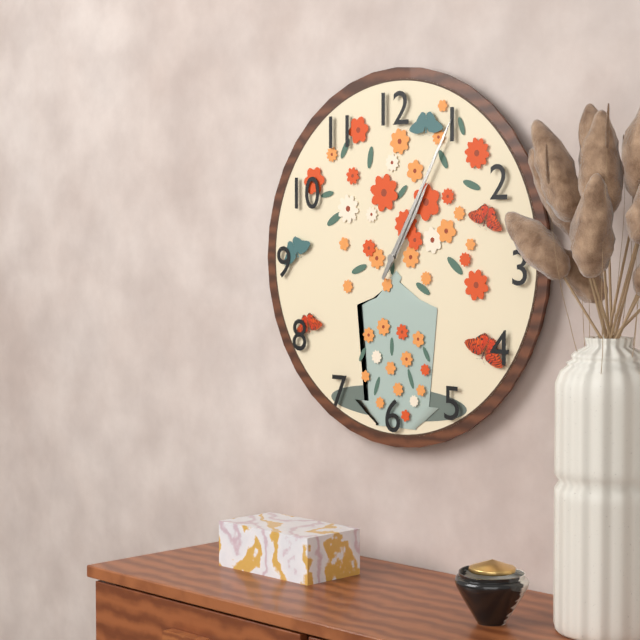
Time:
1.05
